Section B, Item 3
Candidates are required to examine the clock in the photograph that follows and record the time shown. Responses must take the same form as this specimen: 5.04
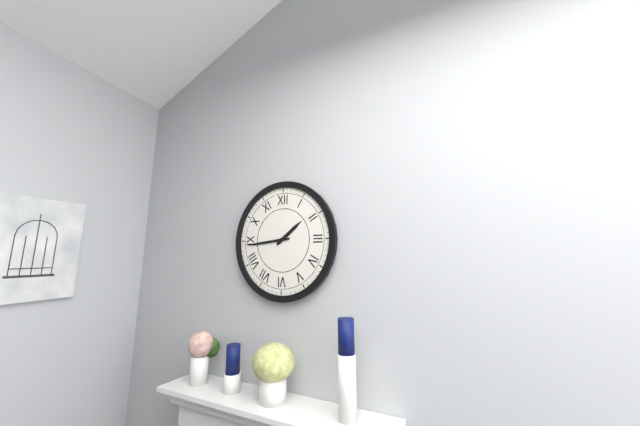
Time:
1.44
